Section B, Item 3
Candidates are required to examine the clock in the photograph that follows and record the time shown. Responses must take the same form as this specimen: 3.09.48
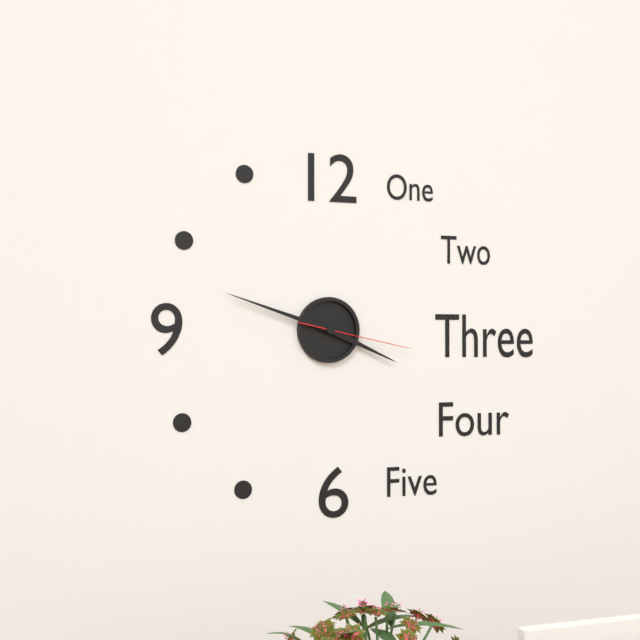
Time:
3.48.17
